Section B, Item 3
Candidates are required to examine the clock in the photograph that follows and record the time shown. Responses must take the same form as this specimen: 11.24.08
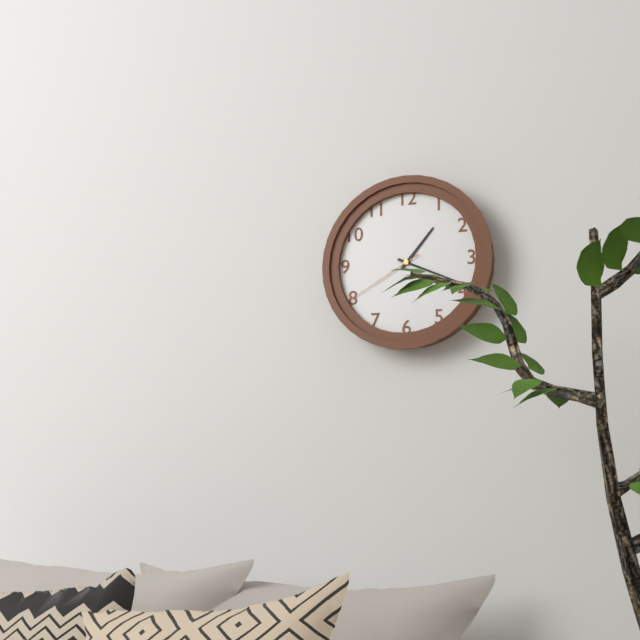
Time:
1.19.40
